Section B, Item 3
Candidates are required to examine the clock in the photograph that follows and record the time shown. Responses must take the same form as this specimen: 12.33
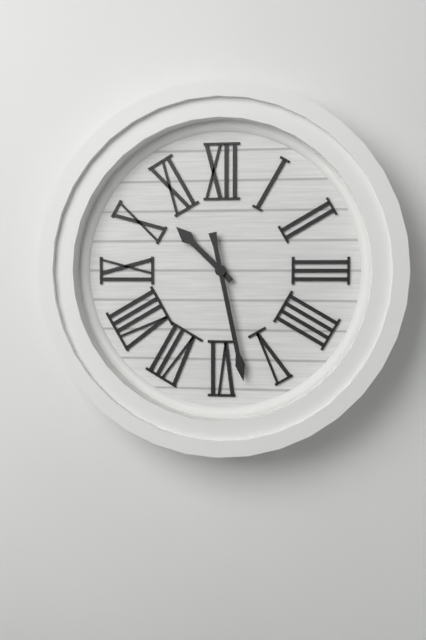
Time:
10.28
